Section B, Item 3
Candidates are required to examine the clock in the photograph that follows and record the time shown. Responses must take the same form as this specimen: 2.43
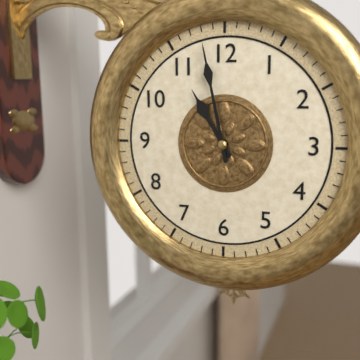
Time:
10.58
